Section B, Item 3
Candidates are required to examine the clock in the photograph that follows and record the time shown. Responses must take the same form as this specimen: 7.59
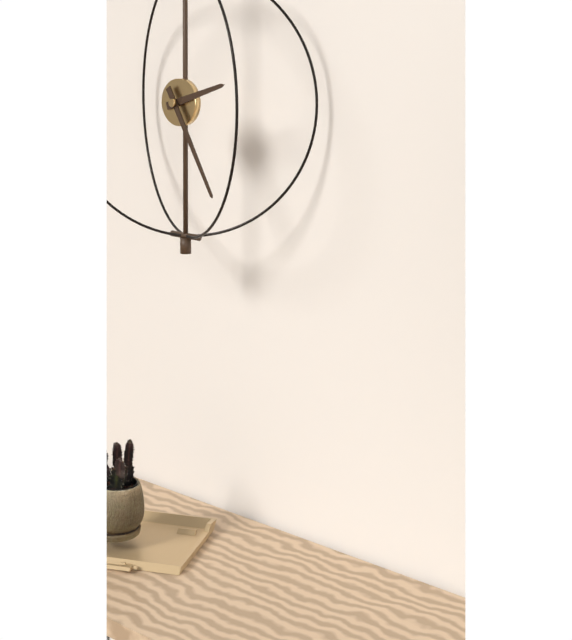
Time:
2.25
